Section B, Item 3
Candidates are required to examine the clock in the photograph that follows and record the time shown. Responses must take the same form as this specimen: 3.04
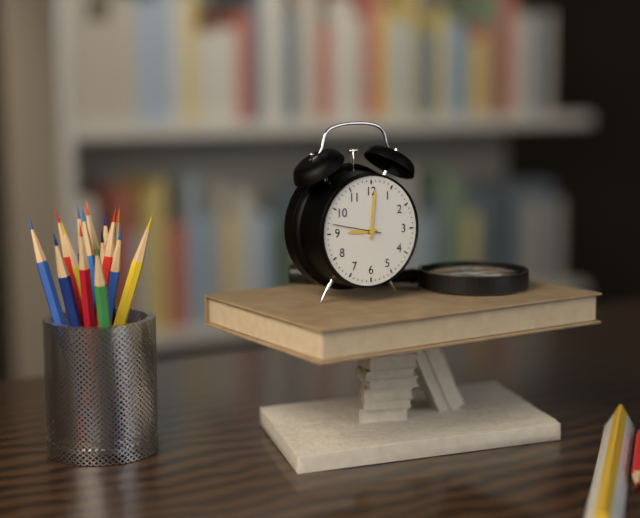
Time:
9.01
